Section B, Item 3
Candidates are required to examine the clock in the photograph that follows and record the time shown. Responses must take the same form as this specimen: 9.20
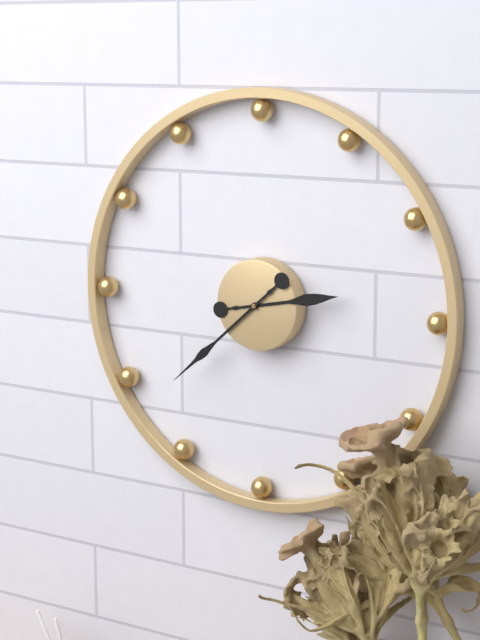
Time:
2.38
